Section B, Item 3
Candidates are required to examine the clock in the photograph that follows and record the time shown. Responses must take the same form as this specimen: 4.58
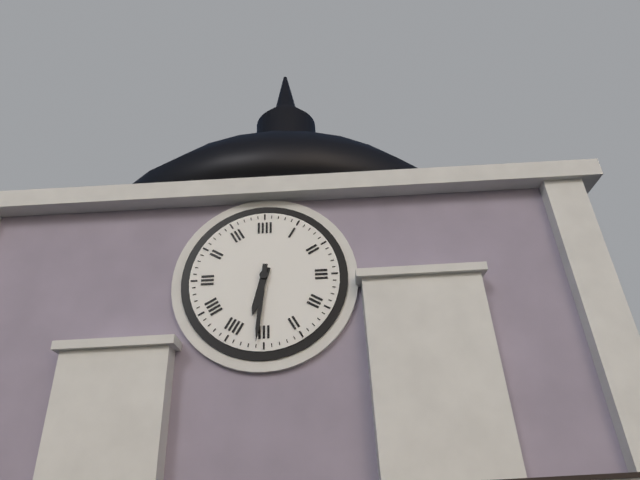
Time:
6.31
